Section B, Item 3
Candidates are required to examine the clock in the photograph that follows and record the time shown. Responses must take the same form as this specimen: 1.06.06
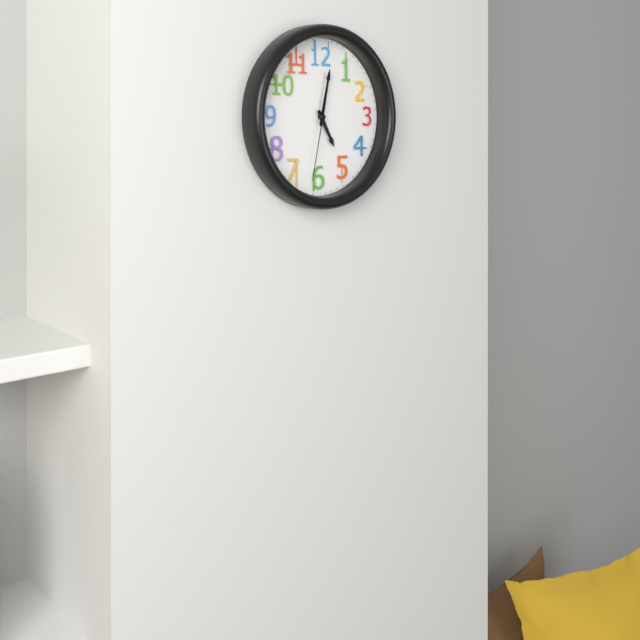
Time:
5.02.32
